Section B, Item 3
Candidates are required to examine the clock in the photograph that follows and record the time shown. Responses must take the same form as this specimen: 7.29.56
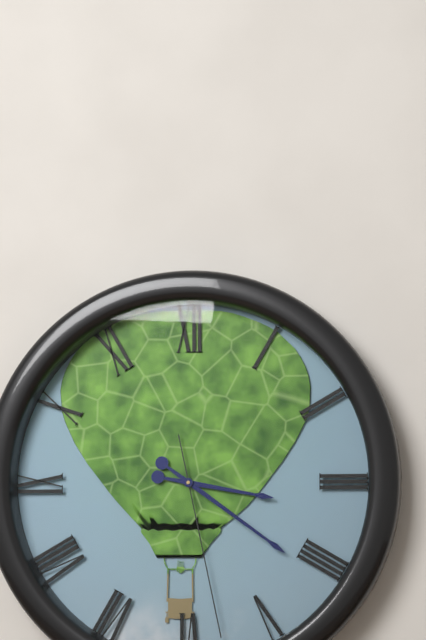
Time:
3.21.28
